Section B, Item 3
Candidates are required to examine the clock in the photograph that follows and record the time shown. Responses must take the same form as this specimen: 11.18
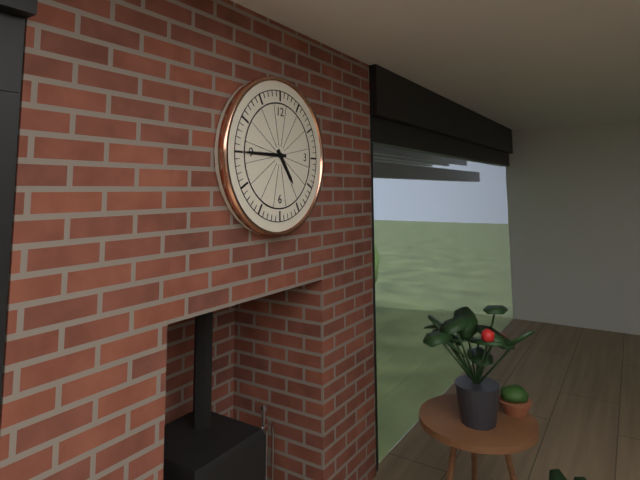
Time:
4.45
